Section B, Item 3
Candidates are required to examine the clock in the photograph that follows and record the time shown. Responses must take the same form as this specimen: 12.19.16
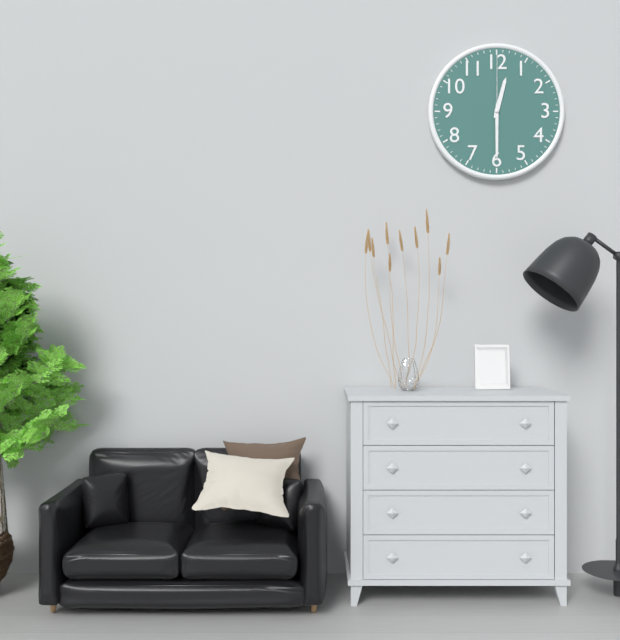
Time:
12.30.00
